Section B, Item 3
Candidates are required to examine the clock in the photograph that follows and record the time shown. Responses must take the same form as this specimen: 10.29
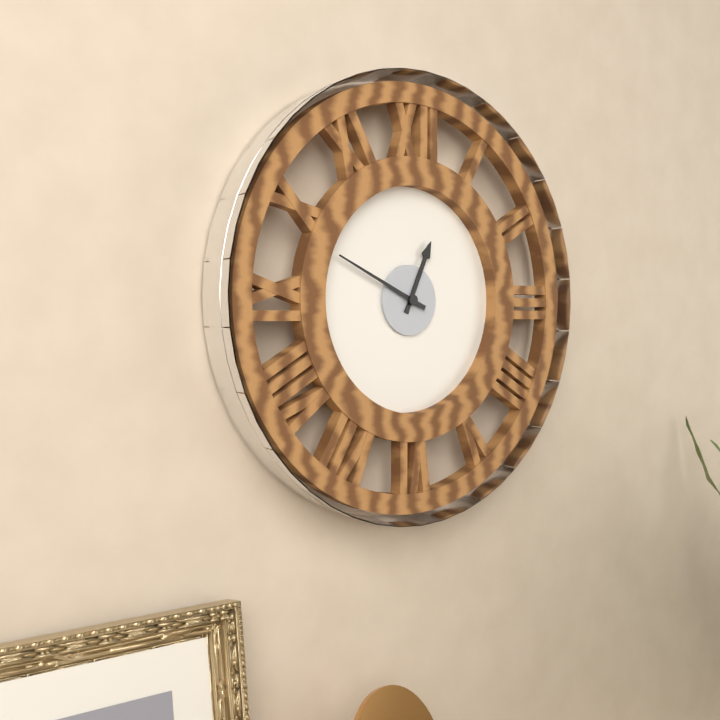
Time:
12.49
